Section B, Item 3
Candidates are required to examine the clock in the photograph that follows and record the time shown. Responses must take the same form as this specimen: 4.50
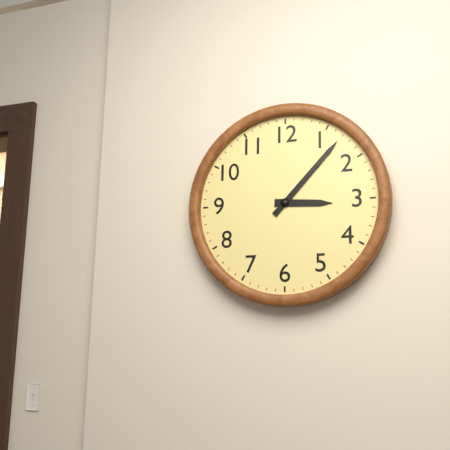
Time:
3.07
